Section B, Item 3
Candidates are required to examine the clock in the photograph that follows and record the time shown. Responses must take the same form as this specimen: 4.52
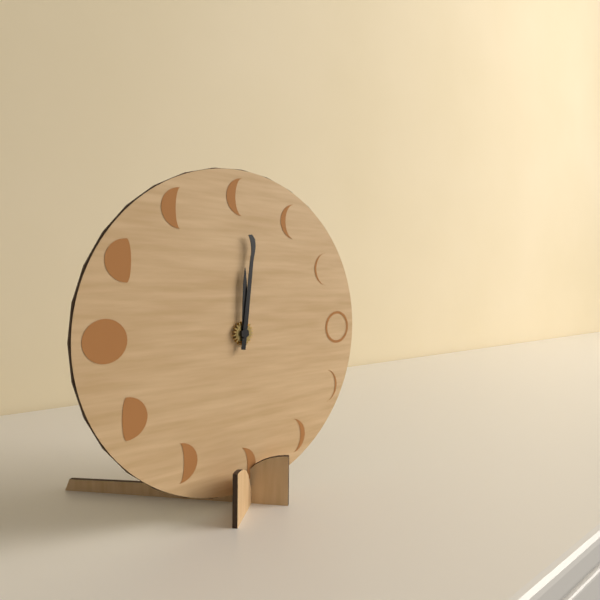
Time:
12.01
